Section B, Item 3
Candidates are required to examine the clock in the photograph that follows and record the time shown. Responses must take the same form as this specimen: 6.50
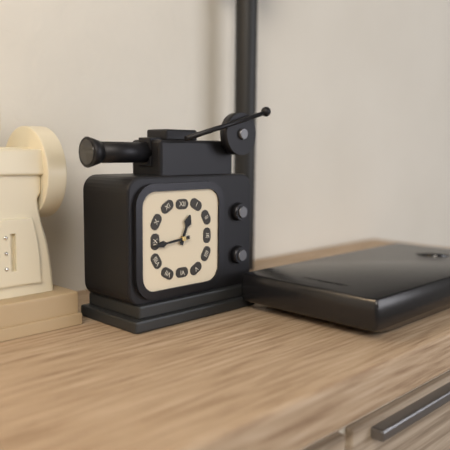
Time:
12.44
